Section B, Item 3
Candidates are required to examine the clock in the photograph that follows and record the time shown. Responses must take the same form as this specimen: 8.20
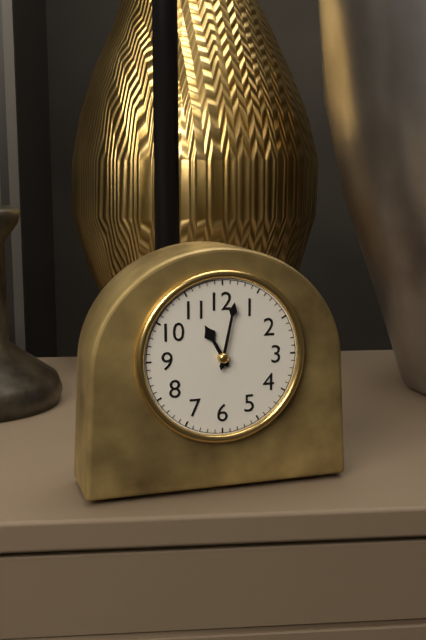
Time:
11.02
